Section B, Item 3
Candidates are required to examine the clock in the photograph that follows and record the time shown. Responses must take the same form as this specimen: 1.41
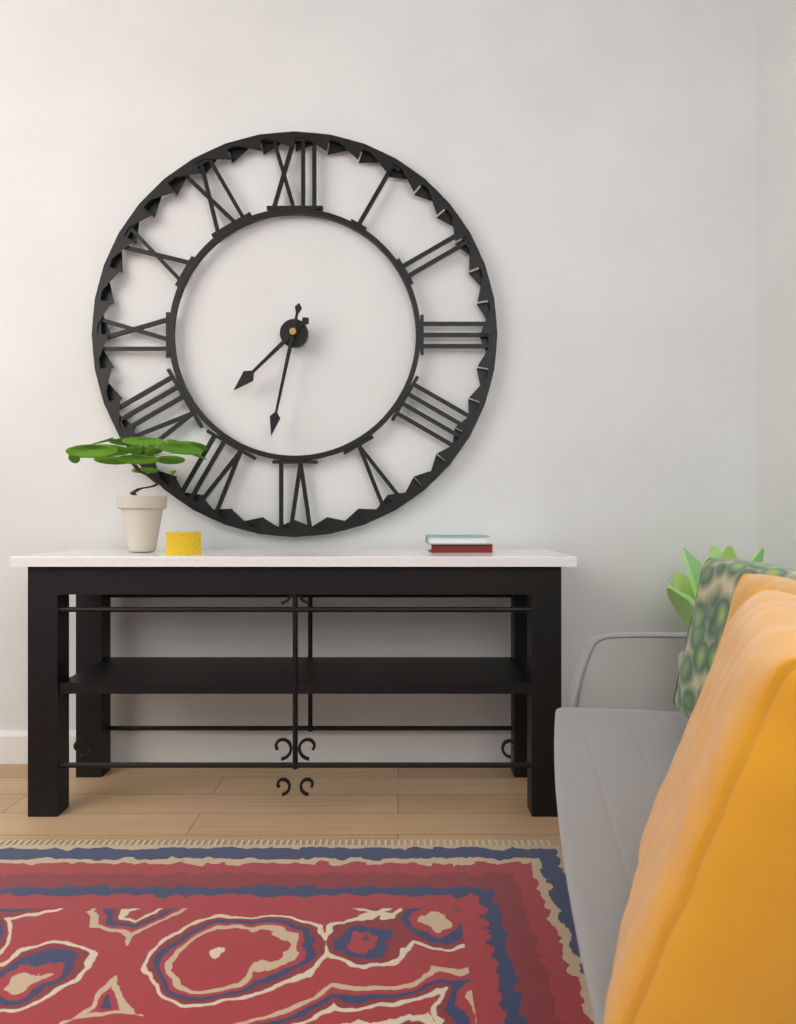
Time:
7.32
